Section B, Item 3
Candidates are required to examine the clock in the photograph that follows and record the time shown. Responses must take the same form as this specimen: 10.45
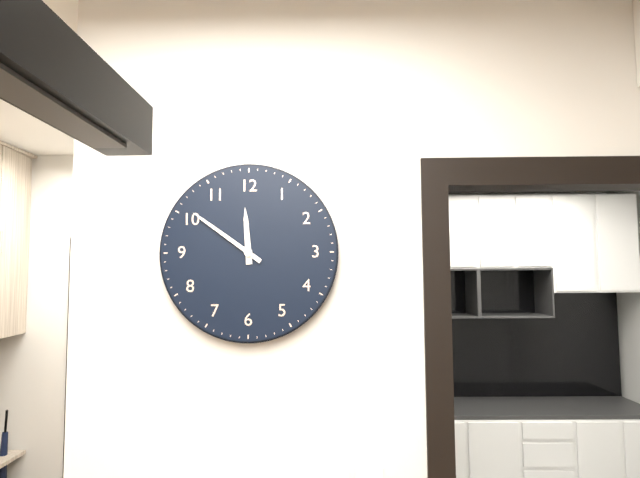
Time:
11.51
